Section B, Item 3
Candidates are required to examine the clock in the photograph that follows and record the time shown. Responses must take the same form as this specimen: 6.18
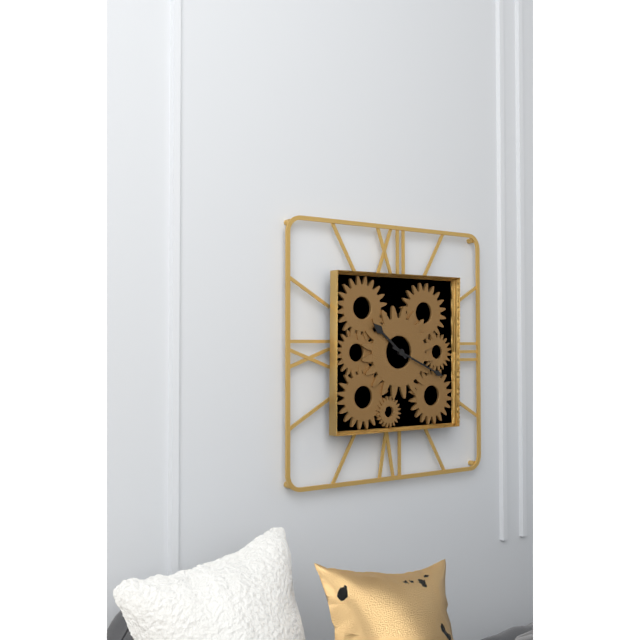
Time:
10.19
